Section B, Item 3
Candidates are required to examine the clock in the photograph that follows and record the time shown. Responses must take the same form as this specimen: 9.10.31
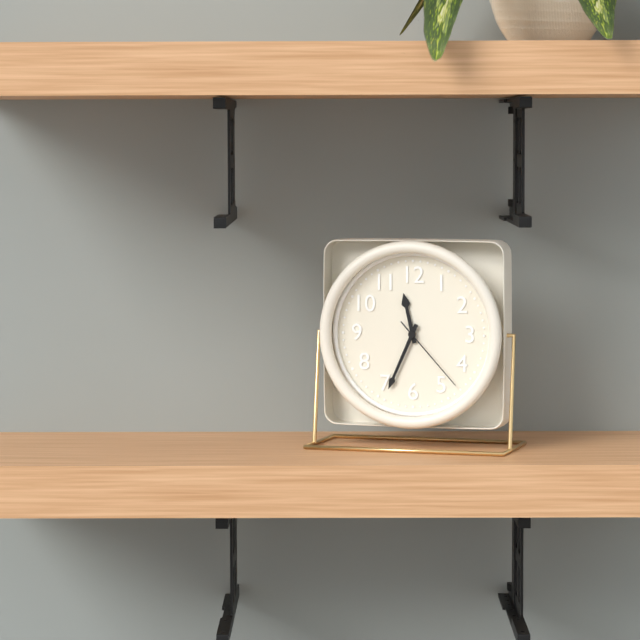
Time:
11.34.23
